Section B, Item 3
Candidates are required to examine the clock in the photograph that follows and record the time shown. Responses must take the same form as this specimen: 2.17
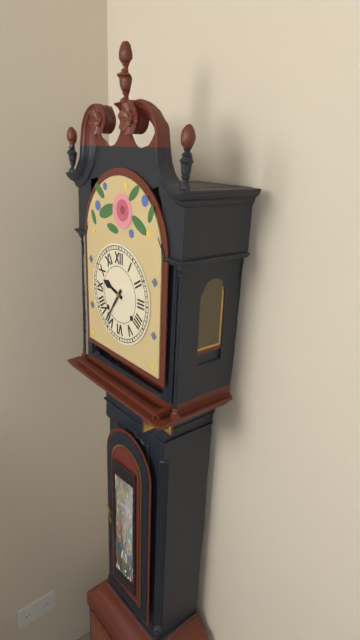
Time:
9.36
